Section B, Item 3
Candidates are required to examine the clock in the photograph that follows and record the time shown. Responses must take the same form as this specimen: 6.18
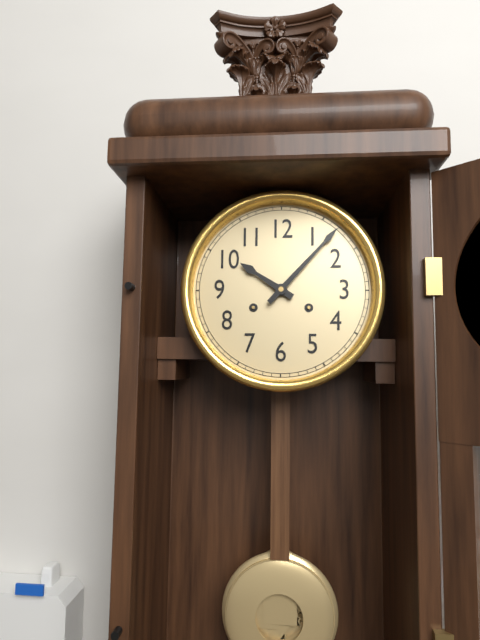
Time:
10.07
